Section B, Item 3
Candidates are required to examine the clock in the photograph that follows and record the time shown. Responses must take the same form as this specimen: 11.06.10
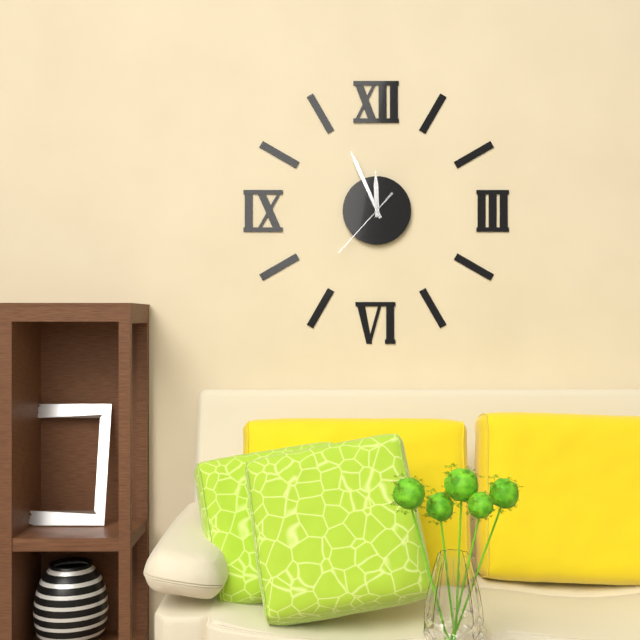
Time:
11.56.37
